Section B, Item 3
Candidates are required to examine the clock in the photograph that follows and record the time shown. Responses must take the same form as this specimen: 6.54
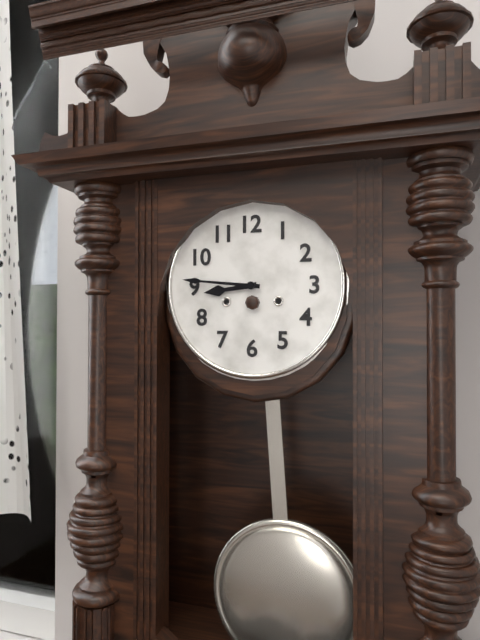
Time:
8.46
